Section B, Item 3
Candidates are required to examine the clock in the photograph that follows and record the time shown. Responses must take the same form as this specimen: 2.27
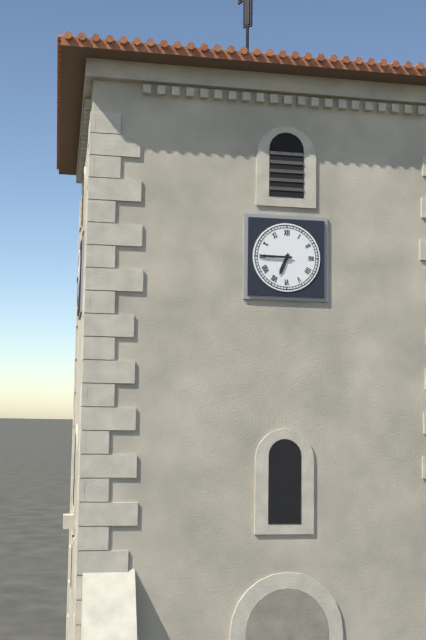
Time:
6.45
